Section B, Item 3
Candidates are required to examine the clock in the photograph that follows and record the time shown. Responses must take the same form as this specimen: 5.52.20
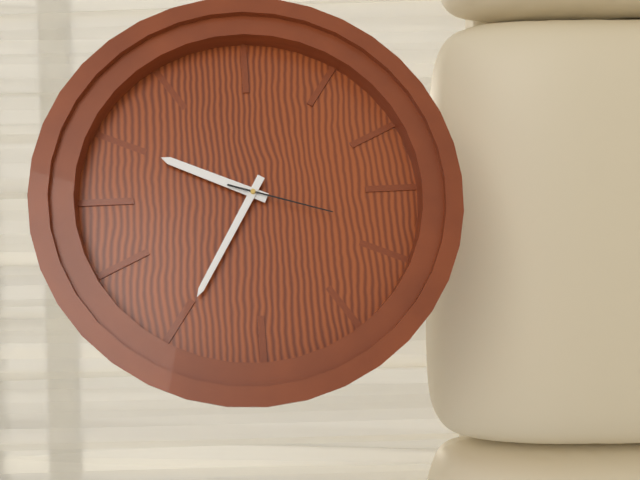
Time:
12.50.33
